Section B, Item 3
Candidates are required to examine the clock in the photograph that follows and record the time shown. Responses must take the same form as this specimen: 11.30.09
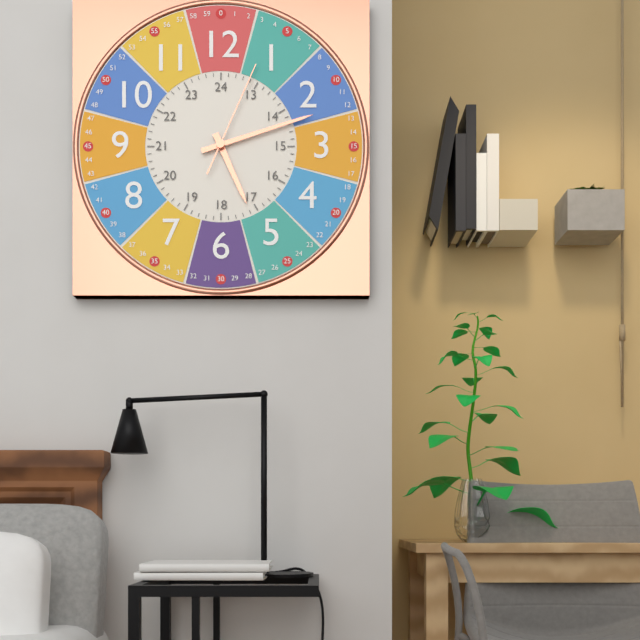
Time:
5.12.04
